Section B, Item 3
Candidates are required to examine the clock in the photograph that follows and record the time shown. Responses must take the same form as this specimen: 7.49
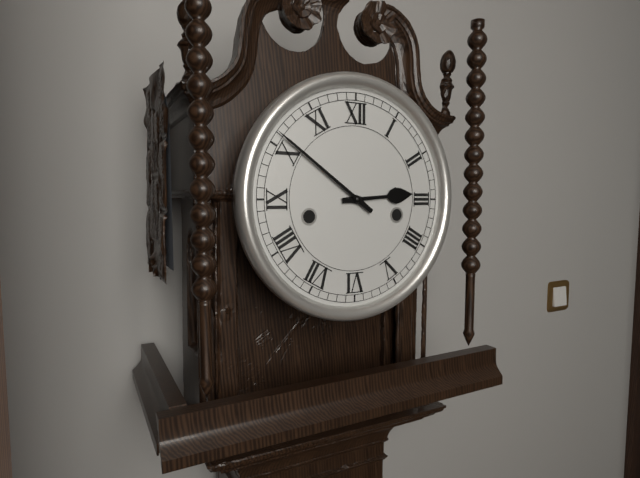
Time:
2.51
